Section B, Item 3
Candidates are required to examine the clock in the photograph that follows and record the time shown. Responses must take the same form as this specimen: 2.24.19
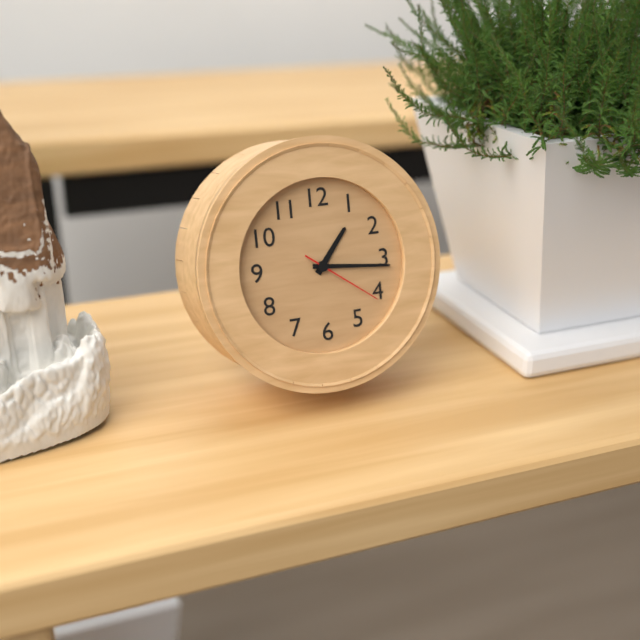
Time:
1.16.21
